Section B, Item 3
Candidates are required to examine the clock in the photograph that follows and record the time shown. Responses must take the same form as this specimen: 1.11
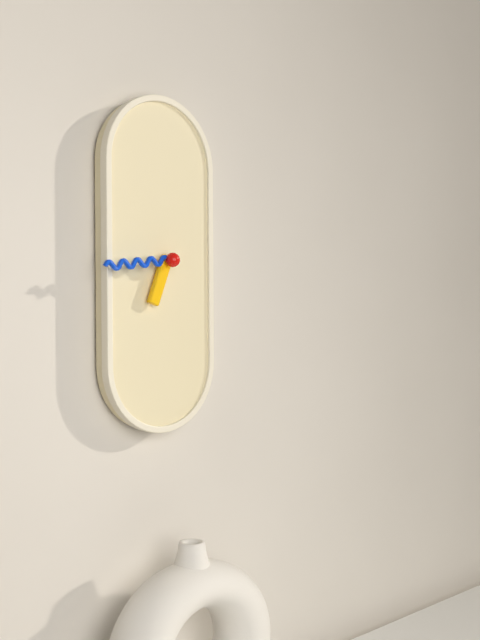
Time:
6.44
